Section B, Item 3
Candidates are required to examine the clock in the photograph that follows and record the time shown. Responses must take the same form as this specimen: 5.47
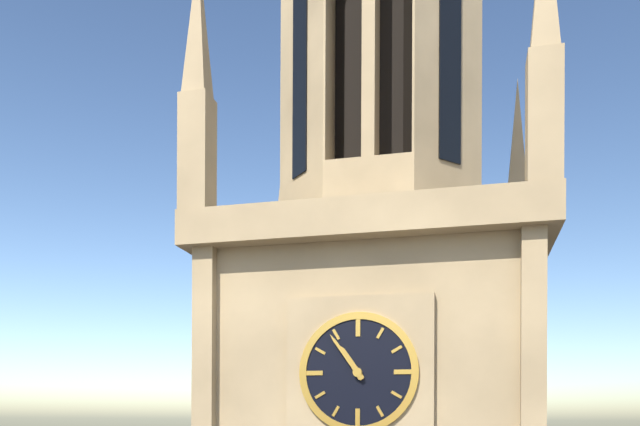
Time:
10.54
